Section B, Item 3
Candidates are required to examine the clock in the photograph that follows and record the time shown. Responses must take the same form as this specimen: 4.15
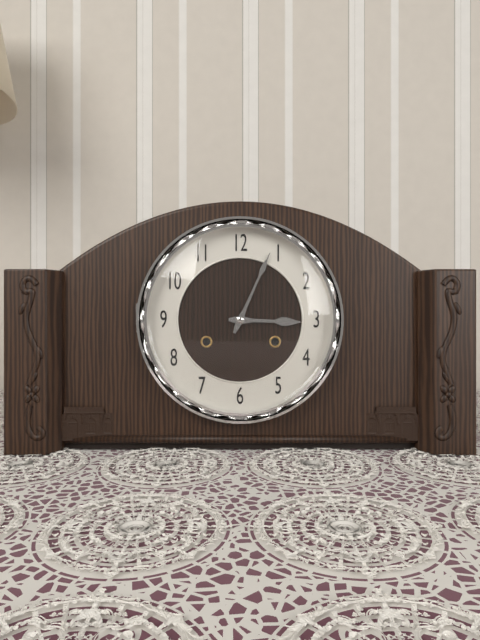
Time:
3.04
